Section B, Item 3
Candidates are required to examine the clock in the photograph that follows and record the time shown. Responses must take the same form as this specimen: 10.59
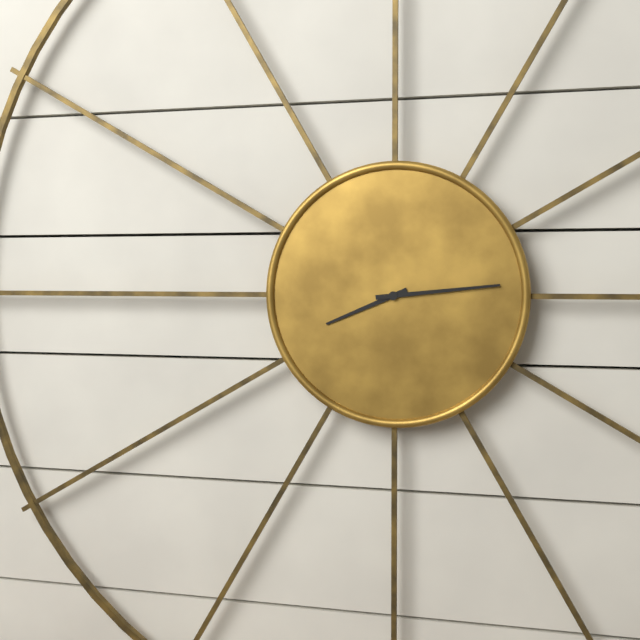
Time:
8.14
